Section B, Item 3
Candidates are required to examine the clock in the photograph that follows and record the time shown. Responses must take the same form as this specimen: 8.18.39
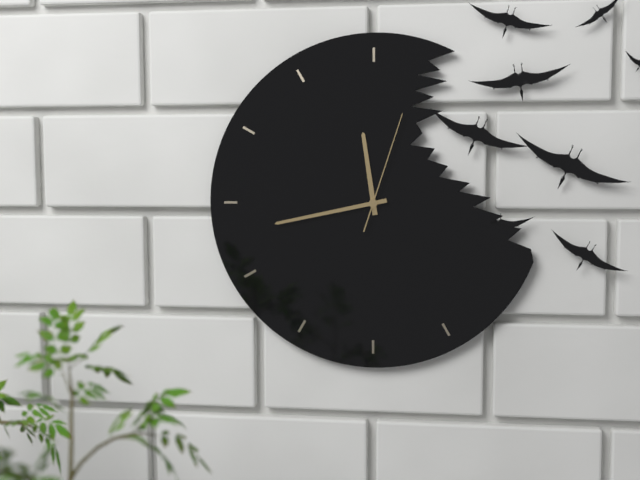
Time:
11.43.03
